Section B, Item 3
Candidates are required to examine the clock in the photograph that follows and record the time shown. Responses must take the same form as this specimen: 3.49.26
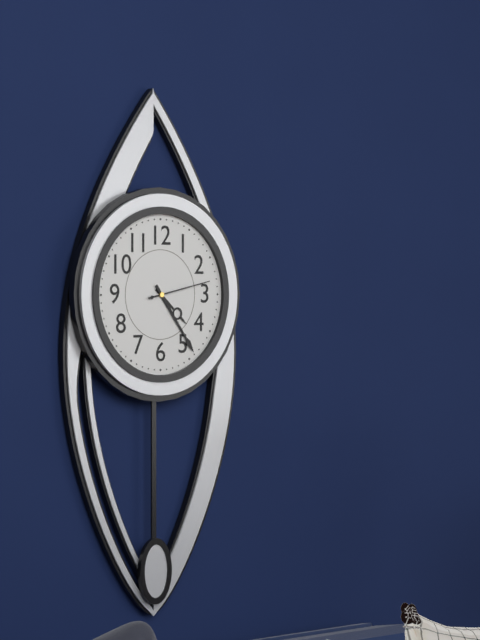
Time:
4.24.13
